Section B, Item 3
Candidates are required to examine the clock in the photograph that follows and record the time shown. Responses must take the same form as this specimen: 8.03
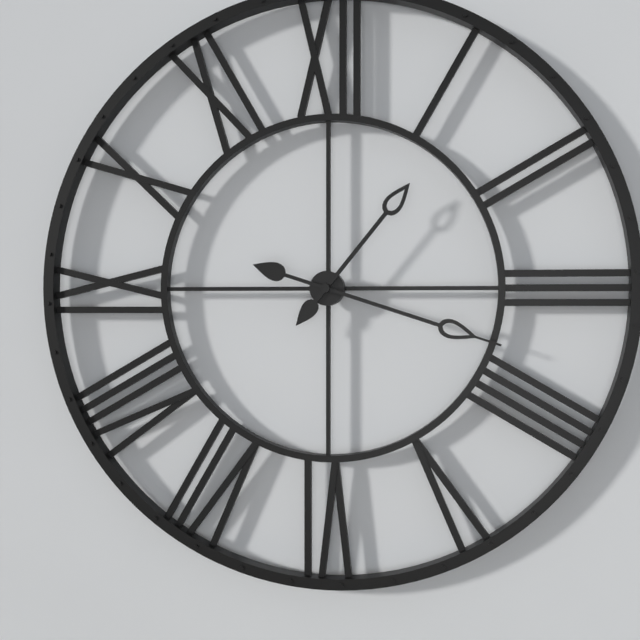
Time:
1.18
